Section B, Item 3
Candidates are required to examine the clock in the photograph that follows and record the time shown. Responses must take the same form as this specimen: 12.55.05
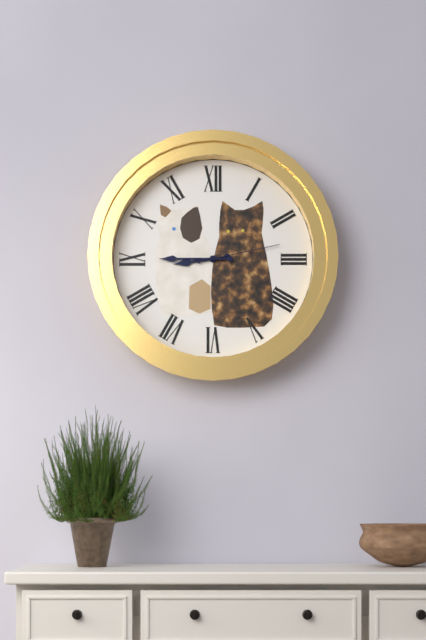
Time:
8.45.13
